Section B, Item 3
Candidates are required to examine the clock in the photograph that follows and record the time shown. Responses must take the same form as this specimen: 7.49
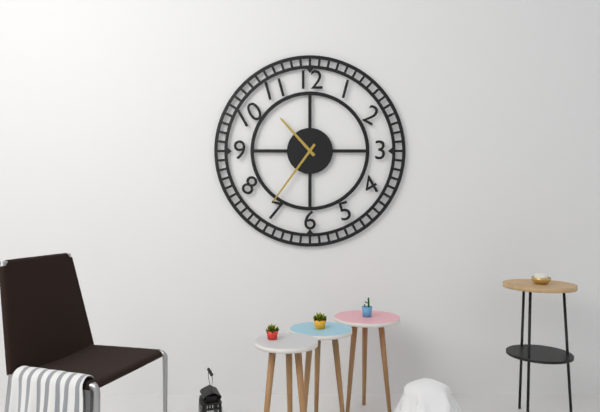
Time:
10.36
